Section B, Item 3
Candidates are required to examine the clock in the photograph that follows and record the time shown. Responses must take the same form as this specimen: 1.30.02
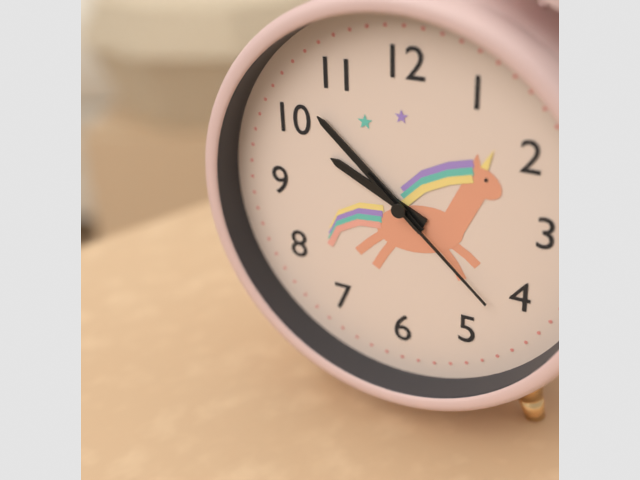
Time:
9.52.22
